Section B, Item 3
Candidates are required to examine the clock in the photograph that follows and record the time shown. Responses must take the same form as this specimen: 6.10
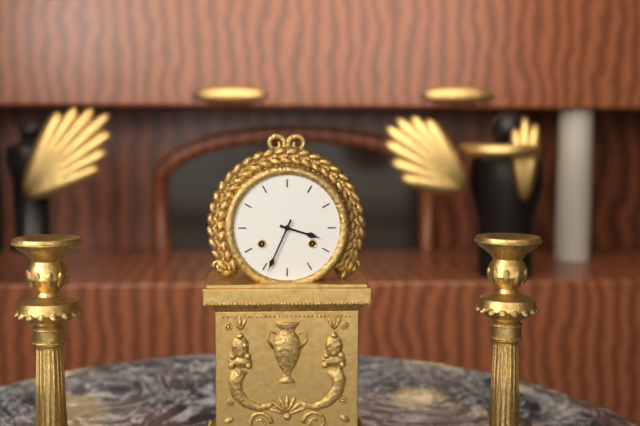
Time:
3.34
